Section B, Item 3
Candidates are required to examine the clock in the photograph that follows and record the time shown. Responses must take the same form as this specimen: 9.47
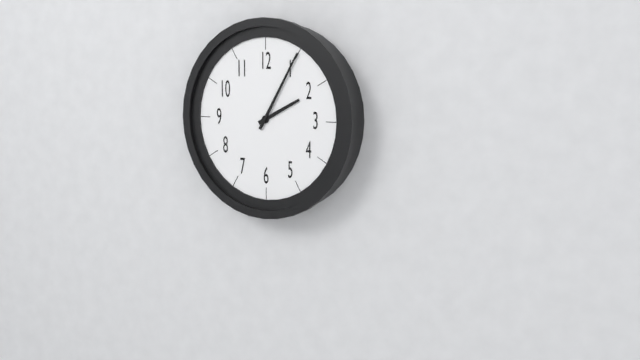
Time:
2.05
